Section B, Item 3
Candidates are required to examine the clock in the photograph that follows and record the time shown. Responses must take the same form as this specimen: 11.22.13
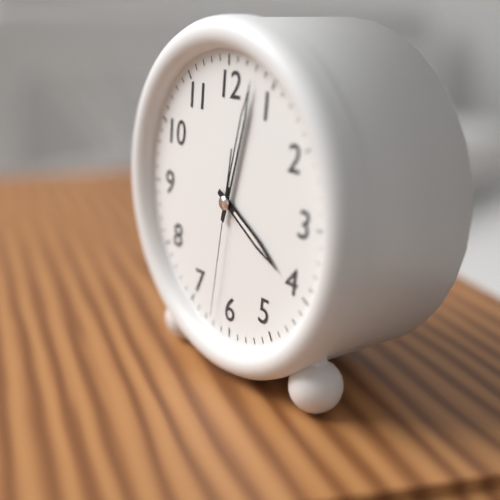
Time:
4.03.32
